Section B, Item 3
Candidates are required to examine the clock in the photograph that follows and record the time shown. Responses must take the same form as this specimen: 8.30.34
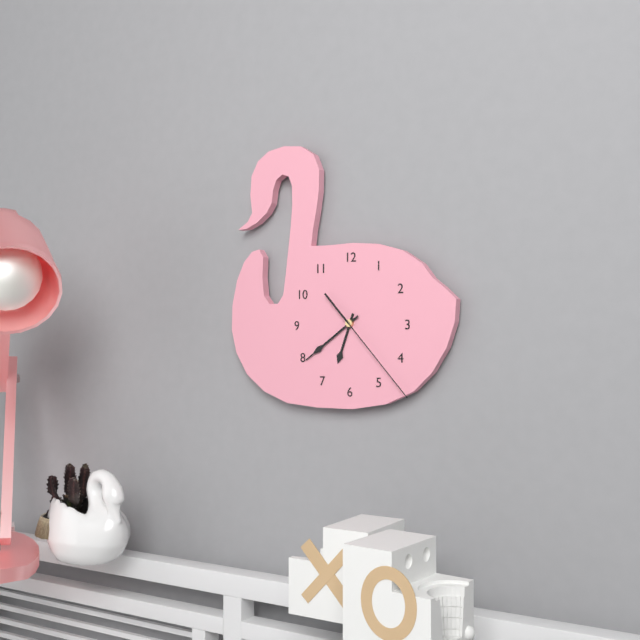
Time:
6.39.23
